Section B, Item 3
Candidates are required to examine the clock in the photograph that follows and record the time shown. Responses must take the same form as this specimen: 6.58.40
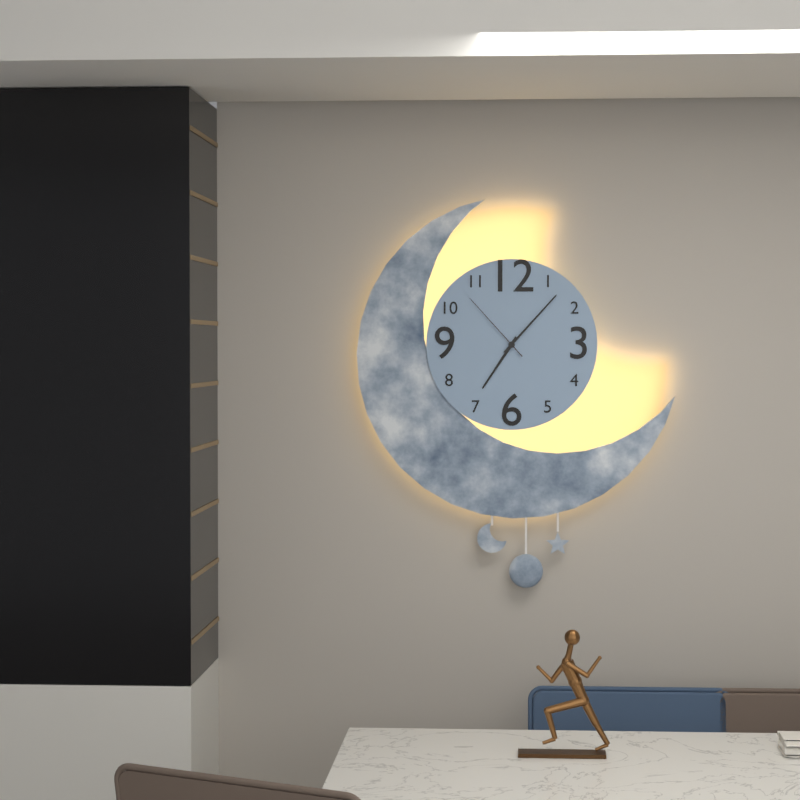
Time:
7.07.53
